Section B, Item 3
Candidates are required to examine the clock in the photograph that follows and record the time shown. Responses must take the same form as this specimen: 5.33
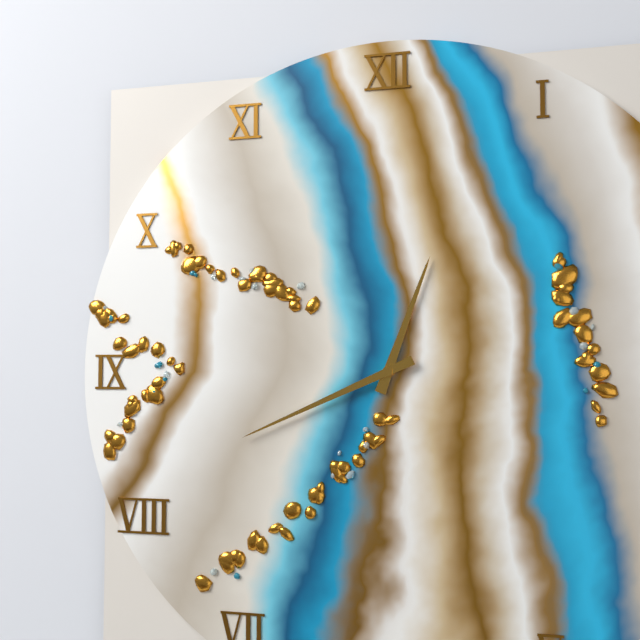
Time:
12.41
